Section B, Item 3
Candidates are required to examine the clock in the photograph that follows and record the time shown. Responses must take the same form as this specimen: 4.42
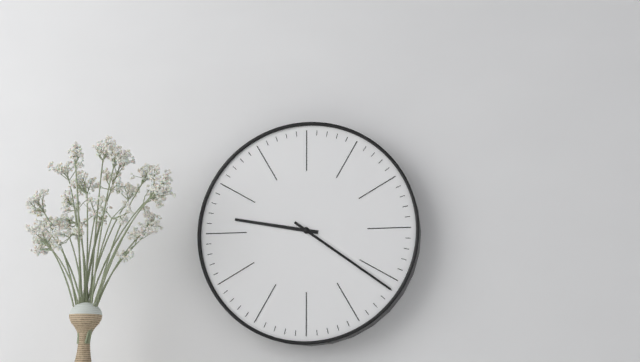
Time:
9.21
